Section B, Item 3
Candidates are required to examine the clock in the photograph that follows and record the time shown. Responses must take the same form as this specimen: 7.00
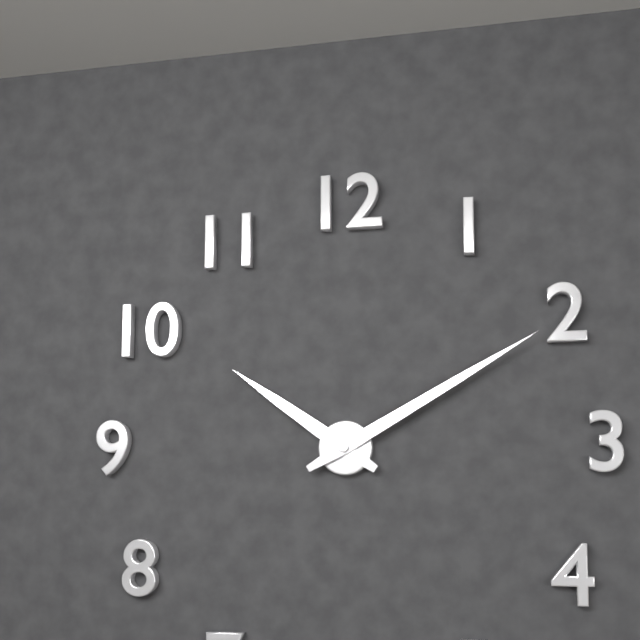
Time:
10.10
